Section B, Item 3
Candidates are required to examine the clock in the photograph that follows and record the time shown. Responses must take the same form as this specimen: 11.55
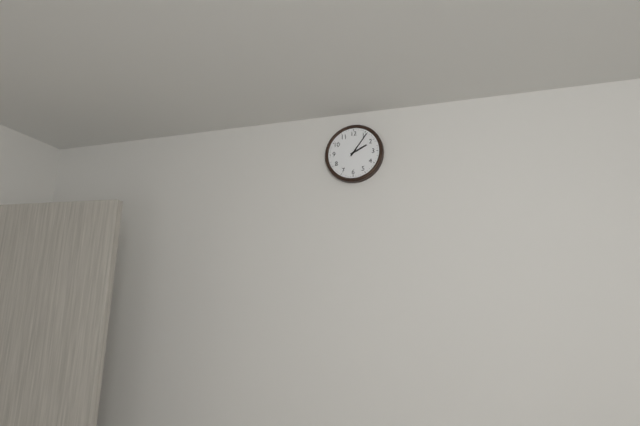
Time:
2.06
